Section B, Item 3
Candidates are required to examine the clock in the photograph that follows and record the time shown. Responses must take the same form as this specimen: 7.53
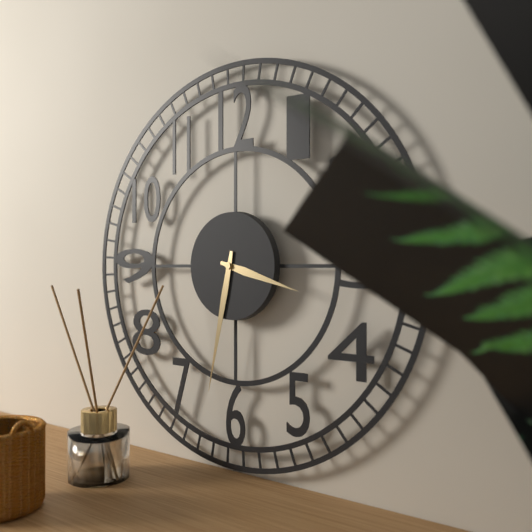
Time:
3.32
